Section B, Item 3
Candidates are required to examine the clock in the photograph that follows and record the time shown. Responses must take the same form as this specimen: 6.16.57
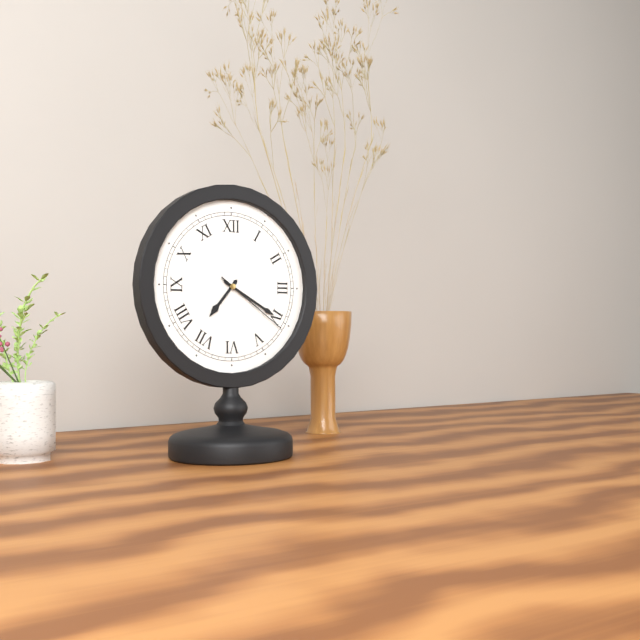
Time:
7.20.21
